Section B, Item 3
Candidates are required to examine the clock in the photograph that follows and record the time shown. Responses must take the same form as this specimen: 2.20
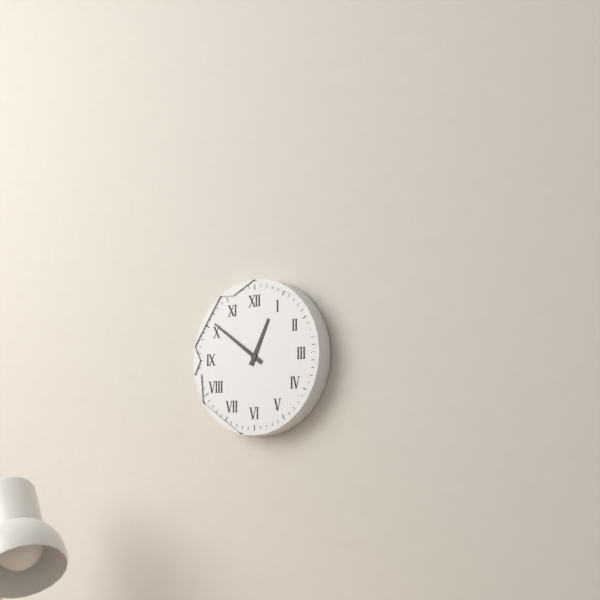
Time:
12.51
